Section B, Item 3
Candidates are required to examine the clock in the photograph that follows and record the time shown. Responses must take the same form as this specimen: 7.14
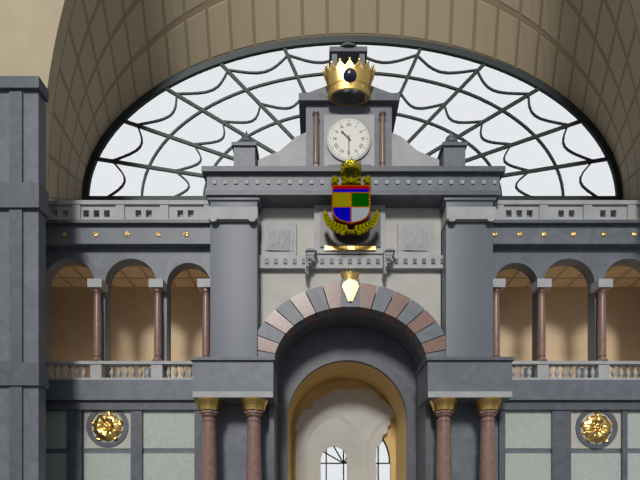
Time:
10.30
